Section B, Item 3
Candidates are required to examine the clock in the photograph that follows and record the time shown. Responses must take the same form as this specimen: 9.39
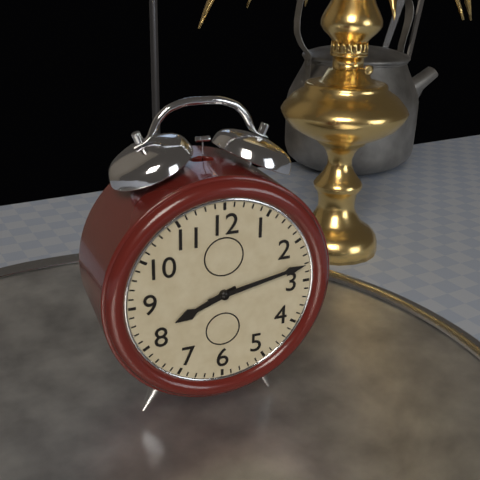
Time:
8.13
